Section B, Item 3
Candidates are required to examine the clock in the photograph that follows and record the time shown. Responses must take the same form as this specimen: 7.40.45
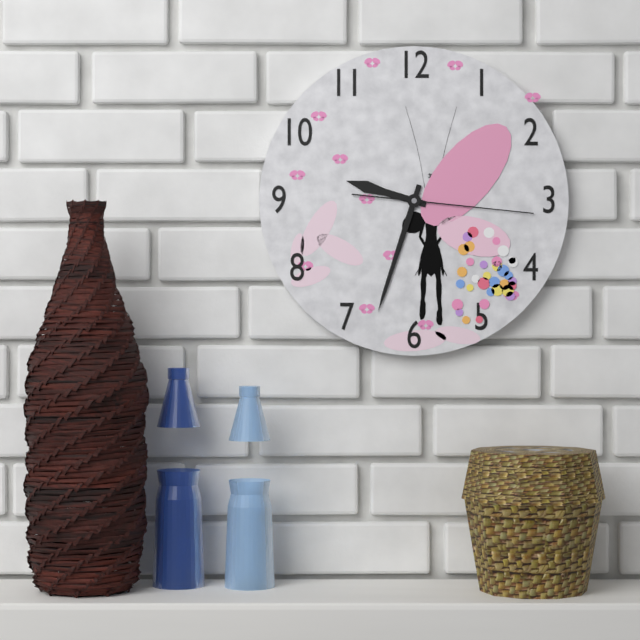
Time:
9.33.16
